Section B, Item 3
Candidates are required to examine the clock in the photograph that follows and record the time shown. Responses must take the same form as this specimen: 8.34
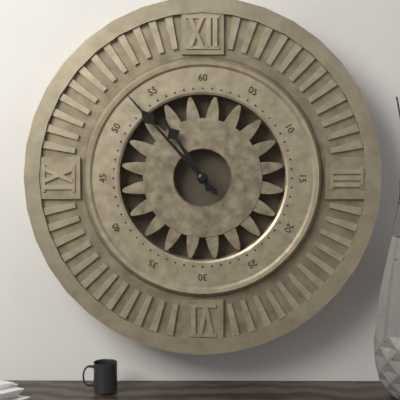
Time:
10.53
